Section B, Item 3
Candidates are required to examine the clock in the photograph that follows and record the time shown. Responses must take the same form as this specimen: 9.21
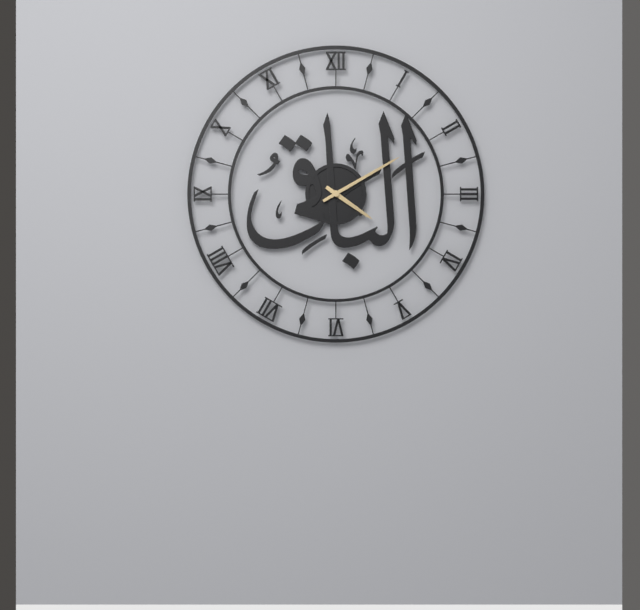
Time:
4.10
